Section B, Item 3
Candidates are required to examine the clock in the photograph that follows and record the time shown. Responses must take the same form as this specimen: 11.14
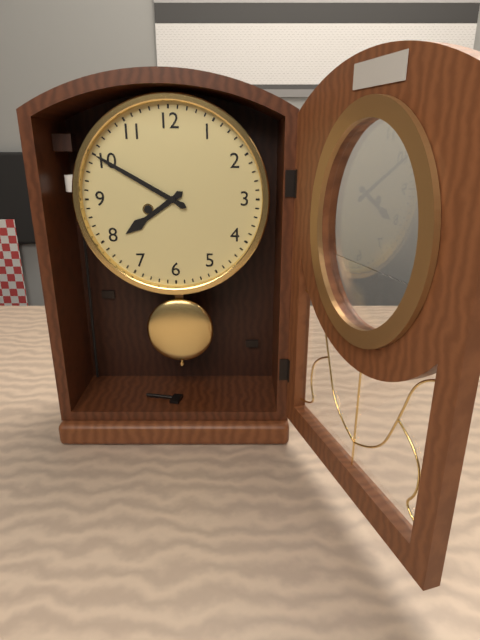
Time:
7.50
